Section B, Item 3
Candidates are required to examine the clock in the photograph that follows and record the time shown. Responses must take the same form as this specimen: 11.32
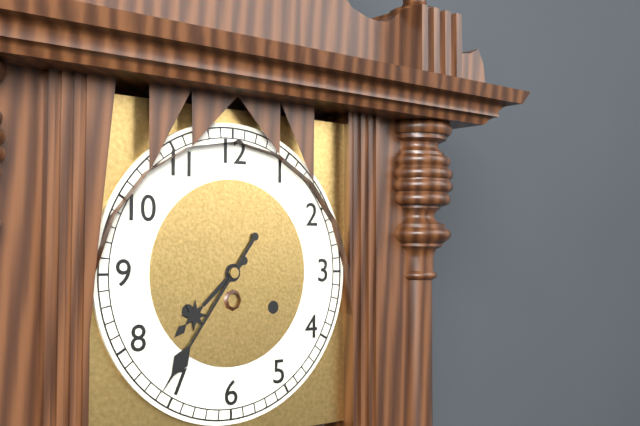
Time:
7.36
